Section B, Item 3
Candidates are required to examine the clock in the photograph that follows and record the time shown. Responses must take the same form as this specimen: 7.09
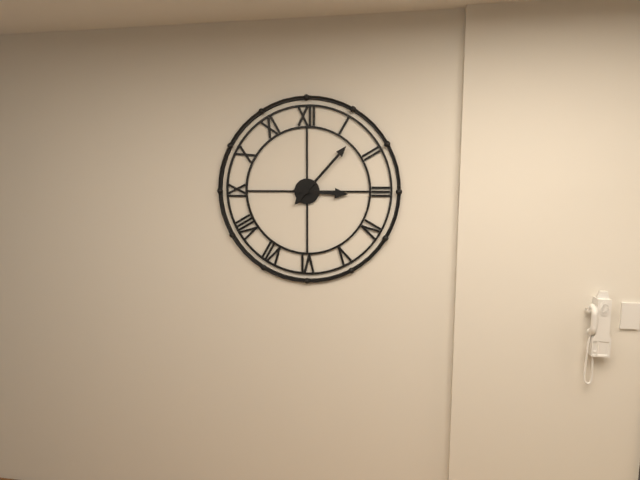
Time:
3.07
